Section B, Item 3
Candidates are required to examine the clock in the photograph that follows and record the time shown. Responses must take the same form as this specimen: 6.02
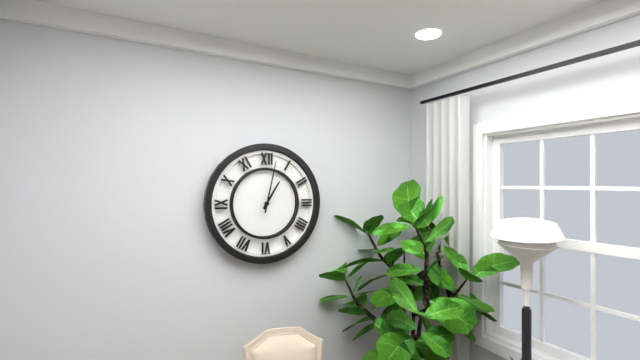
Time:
1.02
